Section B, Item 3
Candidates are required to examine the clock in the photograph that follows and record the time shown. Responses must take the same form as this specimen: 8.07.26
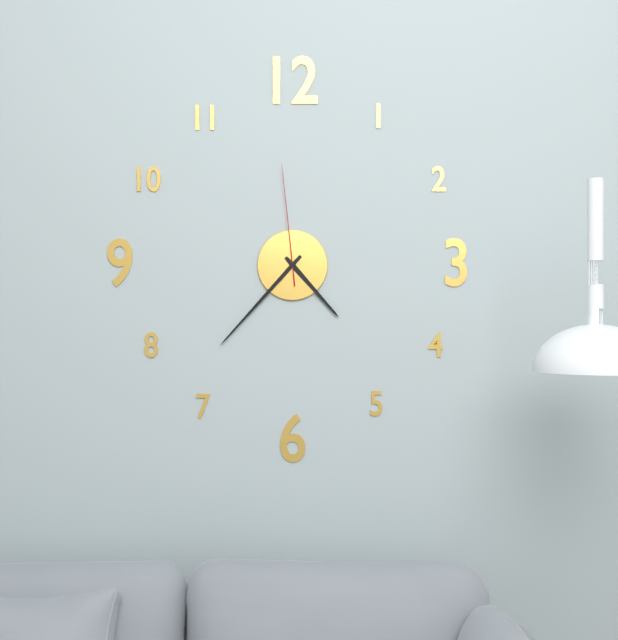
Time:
4.37.59
